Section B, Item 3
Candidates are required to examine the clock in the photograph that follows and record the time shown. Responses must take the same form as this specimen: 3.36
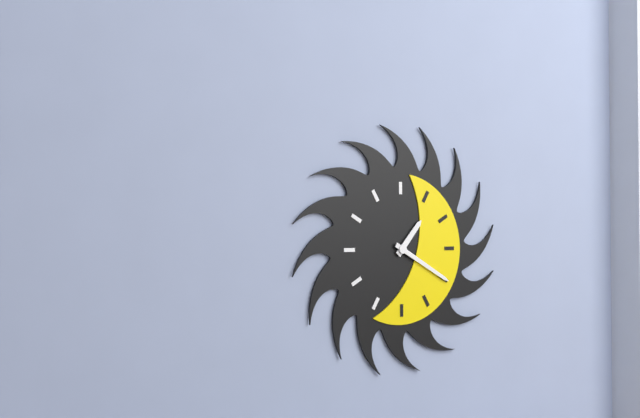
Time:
1.20
